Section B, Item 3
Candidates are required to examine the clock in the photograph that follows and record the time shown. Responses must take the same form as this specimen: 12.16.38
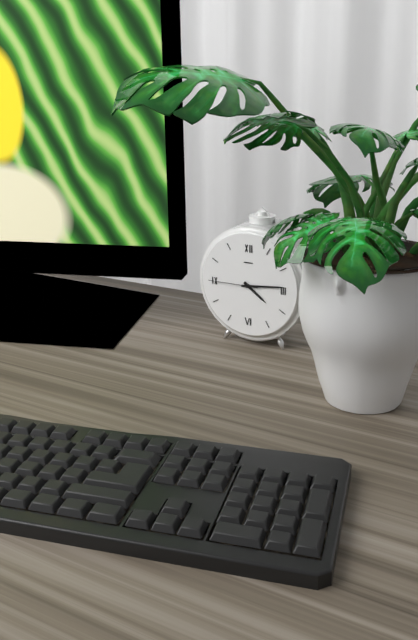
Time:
4.14.45
